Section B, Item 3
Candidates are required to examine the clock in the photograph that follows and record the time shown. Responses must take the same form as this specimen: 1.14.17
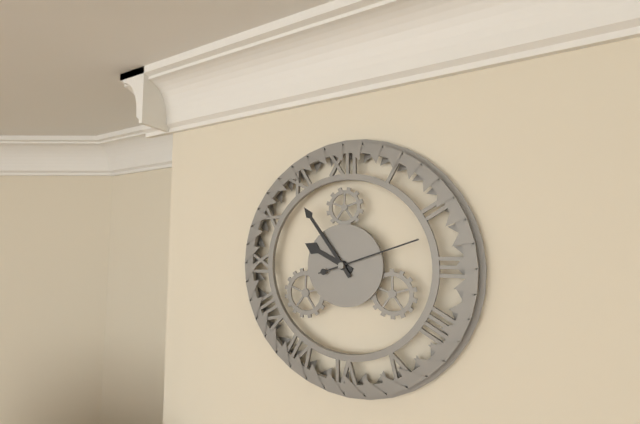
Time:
9.54.12
